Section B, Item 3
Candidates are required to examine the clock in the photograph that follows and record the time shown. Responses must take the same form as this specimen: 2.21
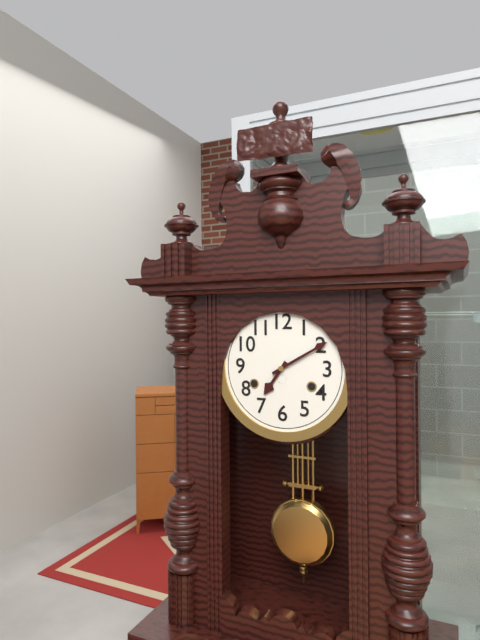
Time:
7.10
